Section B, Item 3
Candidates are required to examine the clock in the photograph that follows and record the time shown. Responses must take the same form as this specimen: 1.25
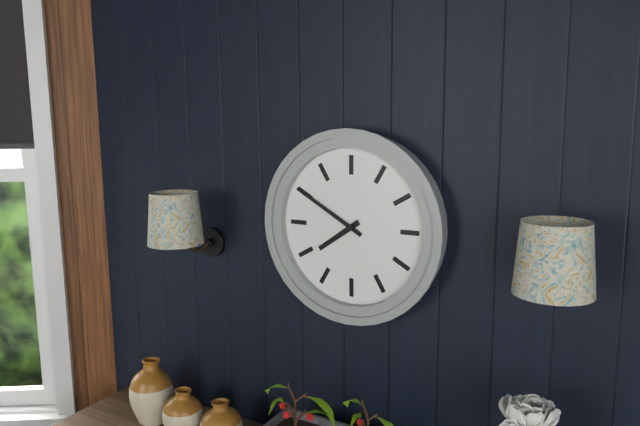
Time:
7.50
